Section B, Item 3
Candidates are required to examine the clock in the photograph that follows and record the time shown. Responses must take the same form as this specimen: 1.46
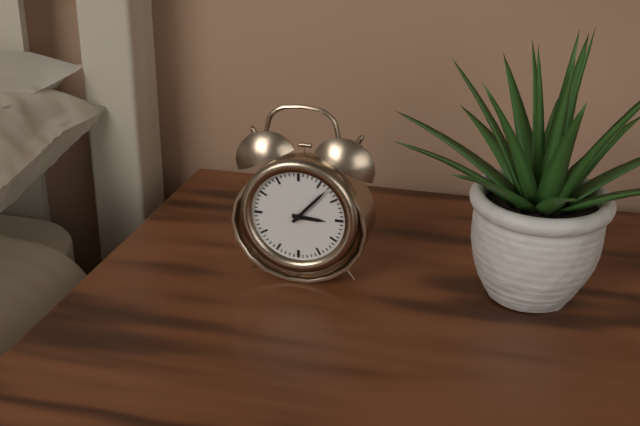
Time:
3.07
